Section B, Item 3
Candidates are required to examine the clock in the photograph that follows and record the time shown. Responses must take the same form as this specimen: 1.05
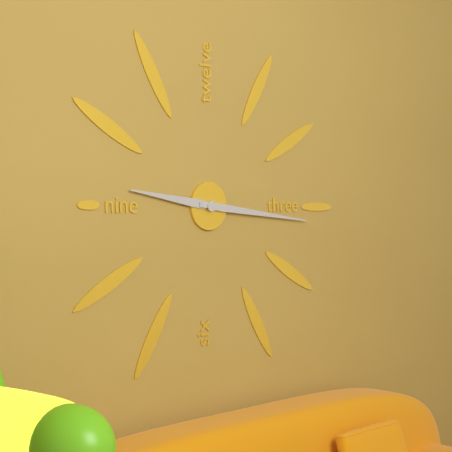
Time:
9.16
